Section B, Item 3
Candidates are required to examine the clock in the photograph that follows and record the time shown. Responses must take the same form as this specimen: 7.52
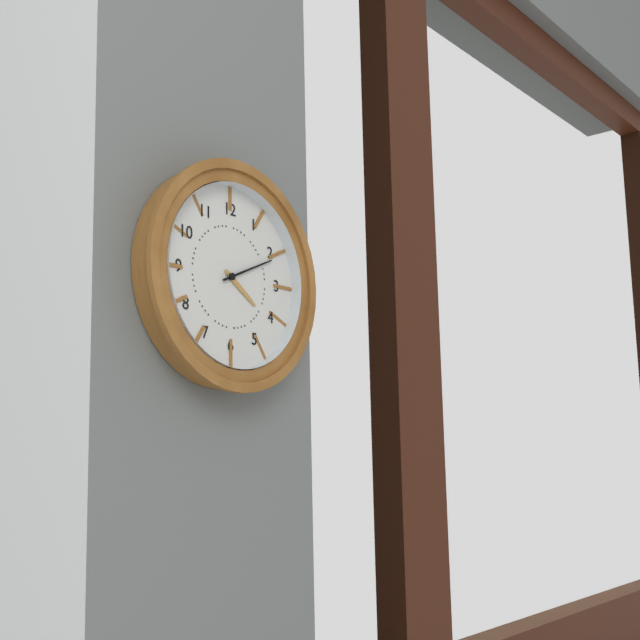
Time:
4.11
